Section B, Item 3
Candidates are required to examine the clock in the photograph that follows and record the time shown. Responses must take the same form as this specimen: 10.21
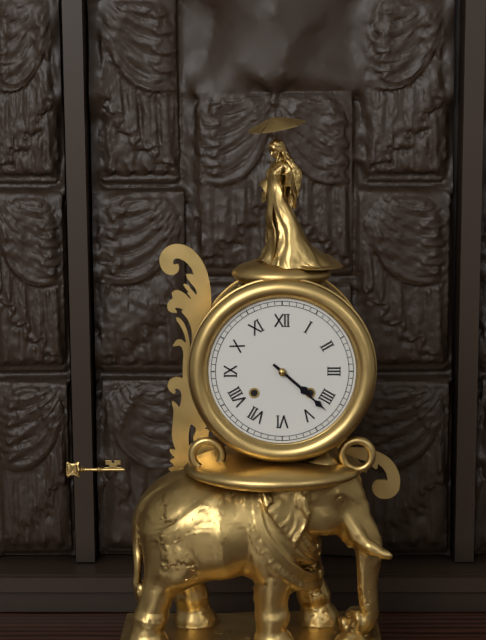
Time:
4.22
